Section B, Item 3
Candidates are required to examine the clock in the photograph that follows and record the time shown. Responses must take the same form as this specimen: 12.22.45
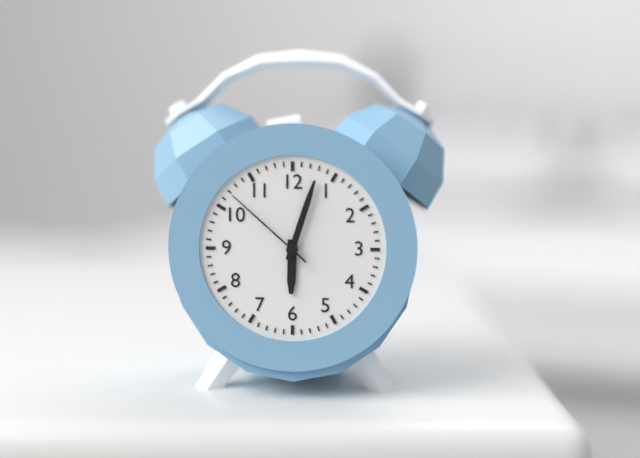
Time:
6.03.52
